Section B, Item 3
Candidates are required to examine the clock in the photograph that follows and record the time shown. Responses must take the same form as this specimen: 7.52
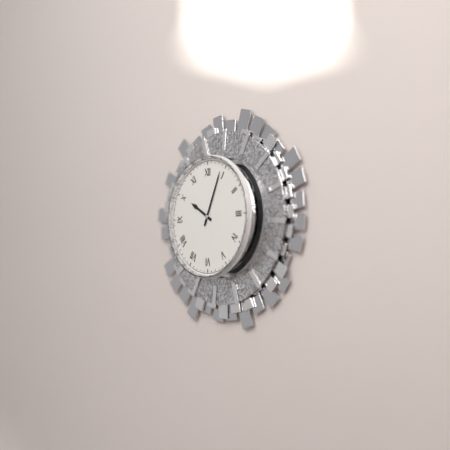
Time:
10.04
